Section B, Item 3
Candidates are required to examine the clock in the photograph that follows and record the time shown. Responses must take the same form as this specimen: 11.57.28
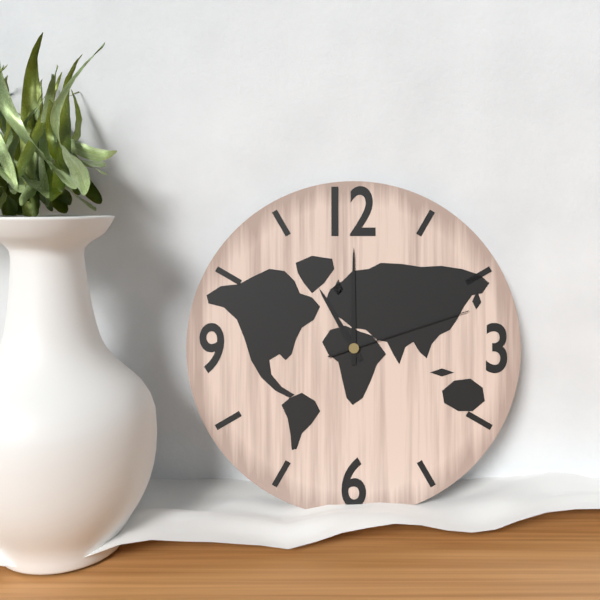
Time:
11.00.12
